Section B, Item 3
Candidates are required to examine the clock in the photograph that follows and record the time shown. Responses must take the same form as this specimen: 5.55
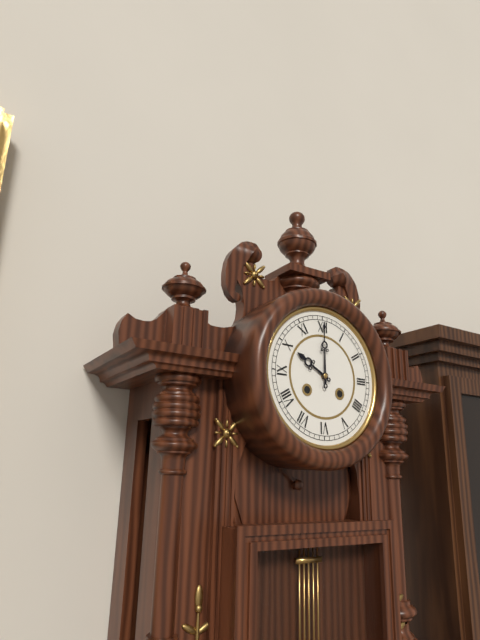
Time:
10.00
